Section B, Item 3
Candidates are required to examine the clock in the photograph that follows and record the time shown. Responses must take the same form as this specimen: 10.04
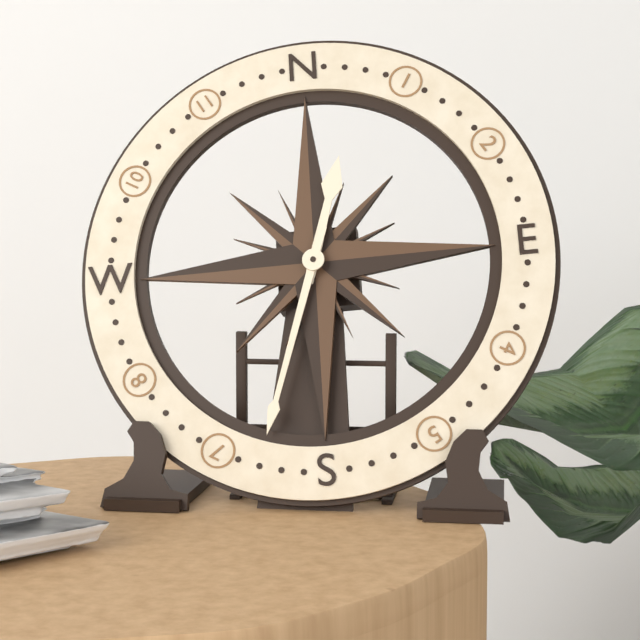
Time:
12.33
